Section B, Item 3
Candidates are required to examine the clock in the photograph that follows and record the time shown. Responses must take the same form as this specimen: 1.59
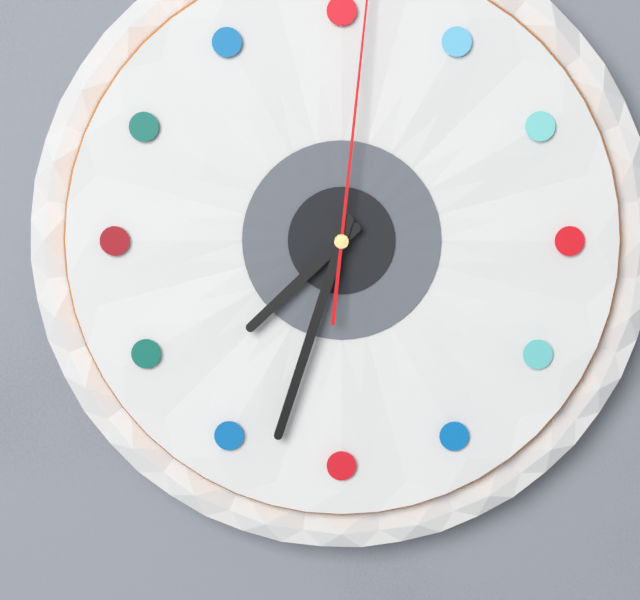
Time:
7.33
